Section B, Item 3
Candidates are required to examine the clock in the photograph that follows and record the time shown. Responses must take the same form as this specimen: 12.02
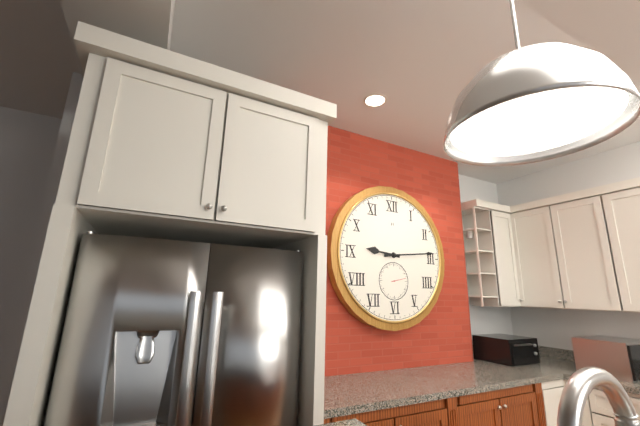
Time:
9.14
